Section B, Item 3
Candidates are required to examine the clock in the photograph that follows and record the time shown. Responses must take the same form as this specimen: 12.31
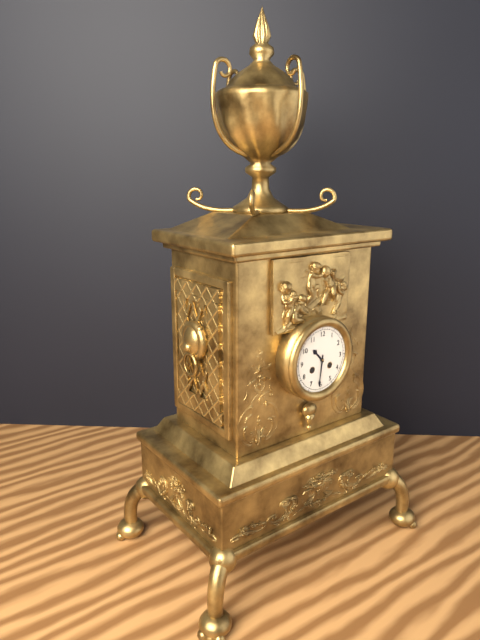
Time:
10.31
